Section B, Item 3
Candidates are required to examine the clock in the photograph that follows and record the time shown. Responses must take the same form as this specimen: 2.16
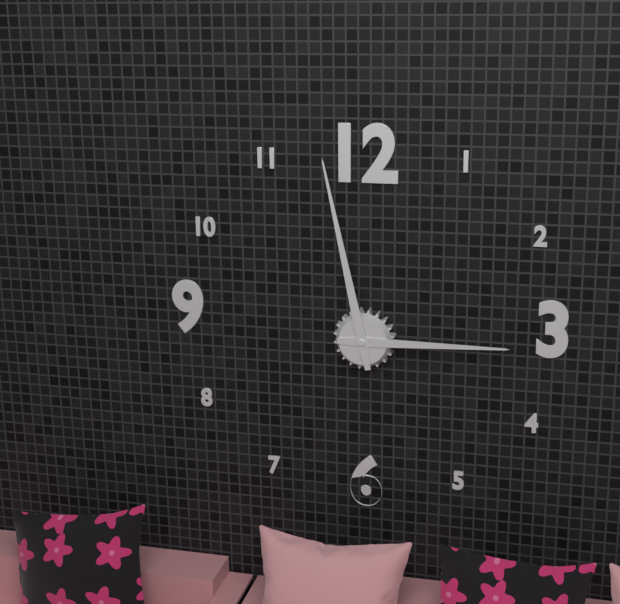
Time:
2.58
